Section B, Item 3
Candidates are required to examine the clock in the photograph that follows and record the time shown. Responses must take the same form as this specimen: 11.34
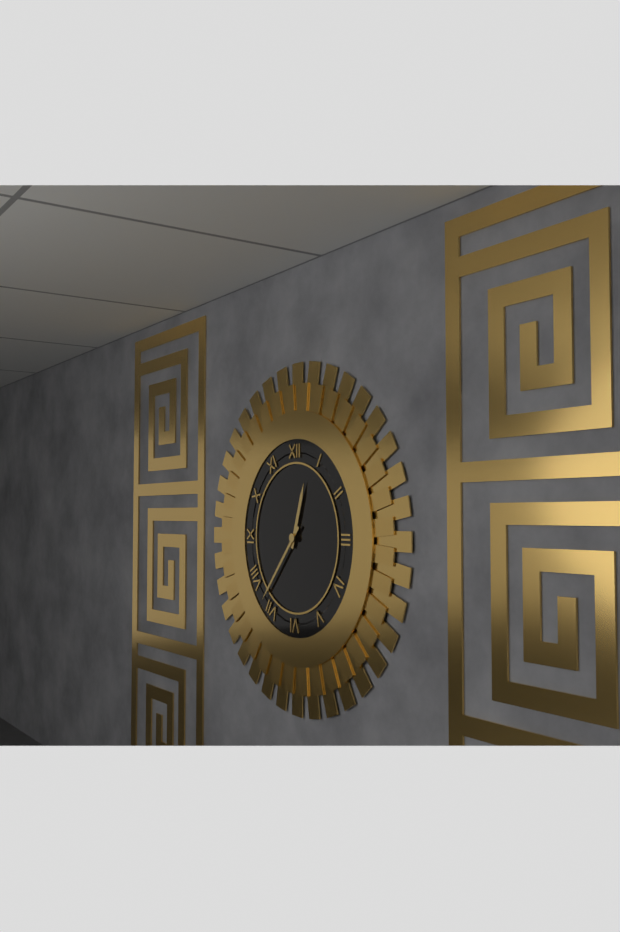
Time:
12.37
